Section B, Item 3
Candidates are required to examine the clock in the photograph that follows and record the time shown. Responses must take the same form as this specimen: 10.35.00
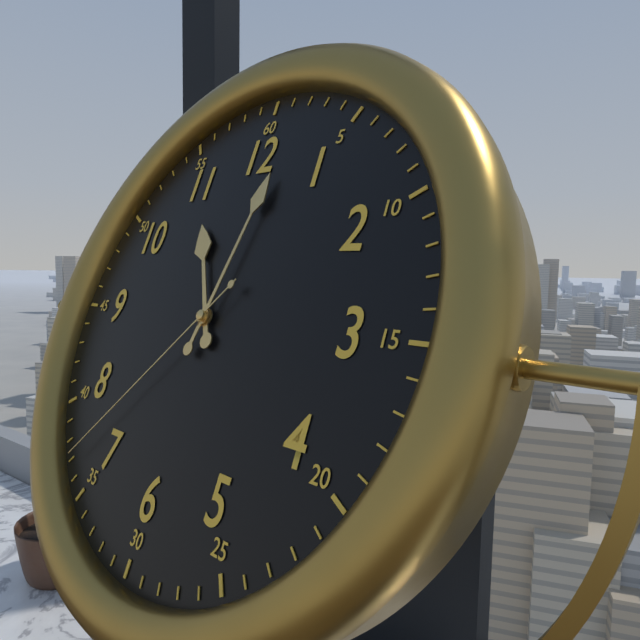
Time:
11.02.37
